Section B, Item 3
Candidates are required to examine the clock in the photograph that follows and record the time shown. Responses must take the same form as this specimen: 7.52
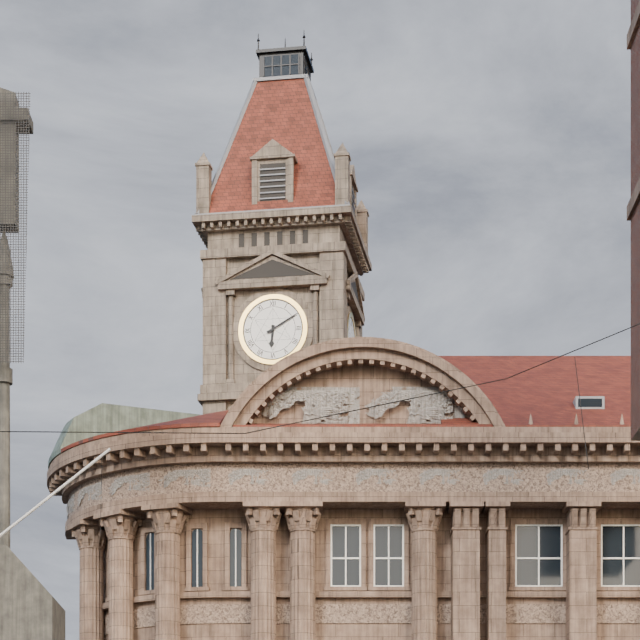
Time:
6.10
